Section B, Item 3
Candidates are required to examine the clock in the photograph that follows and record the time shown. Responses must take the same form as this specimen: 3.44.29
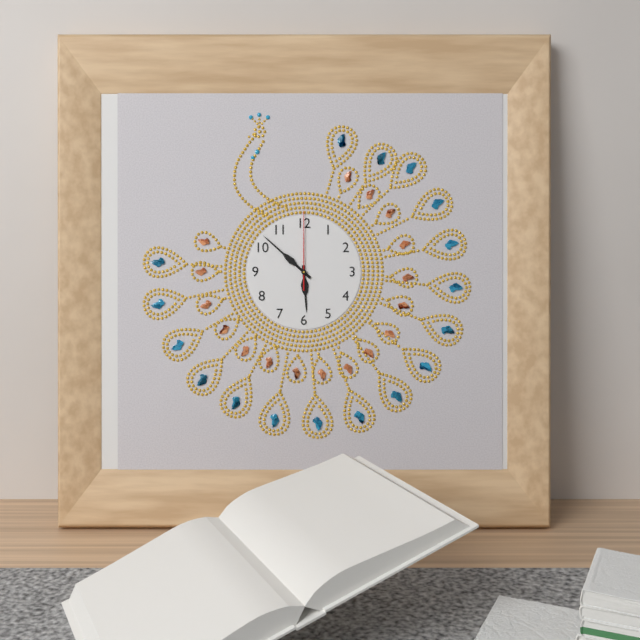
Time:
5.52.00
